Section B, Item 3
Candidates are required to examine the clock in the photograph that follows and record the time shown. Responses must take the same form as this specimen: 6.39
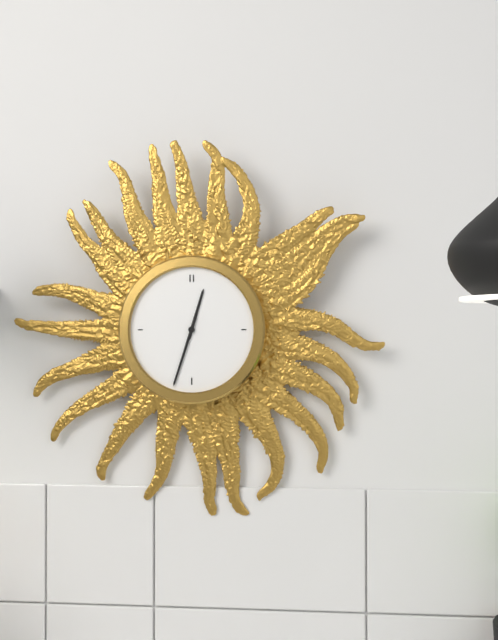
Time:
12.33
